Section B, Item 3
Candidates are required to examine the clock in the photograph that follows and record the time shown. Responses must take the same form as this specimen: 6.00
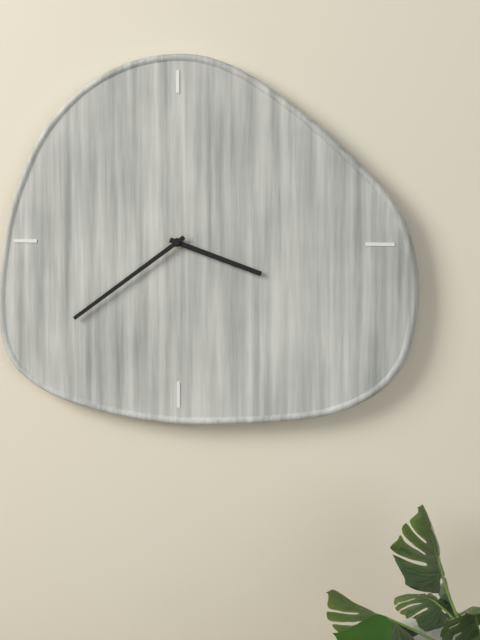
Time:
3.39
